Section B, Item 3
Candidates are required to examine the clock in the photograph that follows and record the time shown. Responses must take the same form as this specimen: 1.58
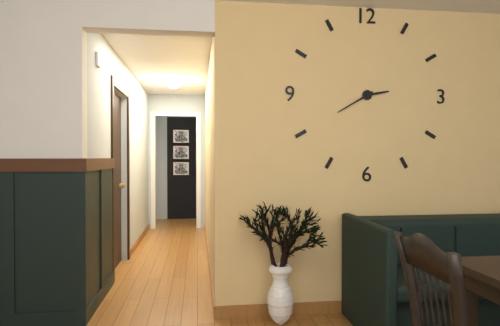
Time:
2.40
